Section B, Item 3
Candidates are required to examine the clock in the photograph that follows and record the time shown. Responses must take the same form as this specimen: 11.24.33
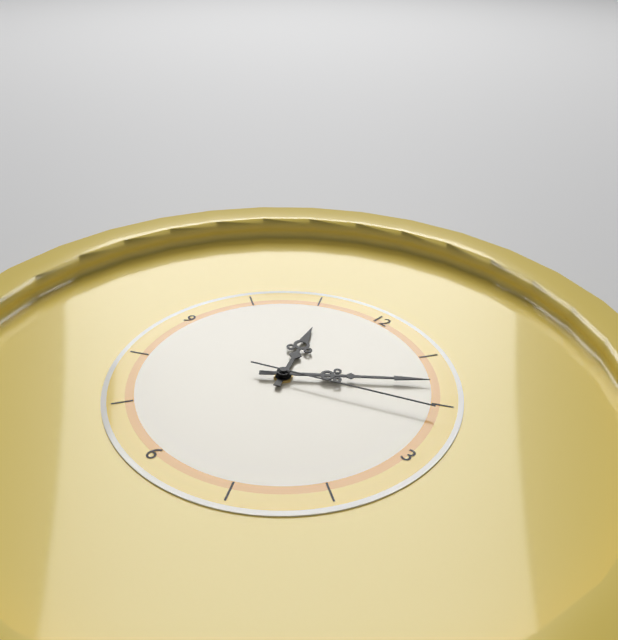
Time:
11.08.11
